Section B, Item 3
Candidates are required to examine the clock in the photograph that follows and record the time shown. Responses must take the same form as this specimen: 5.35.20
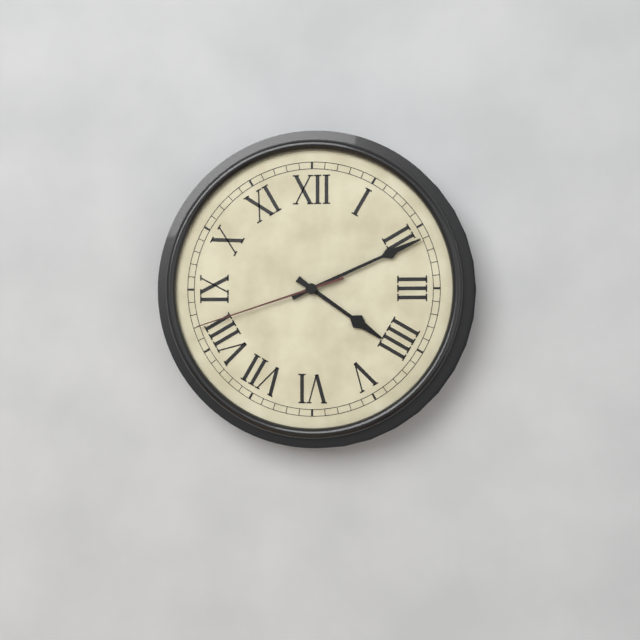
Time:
4.11.42
